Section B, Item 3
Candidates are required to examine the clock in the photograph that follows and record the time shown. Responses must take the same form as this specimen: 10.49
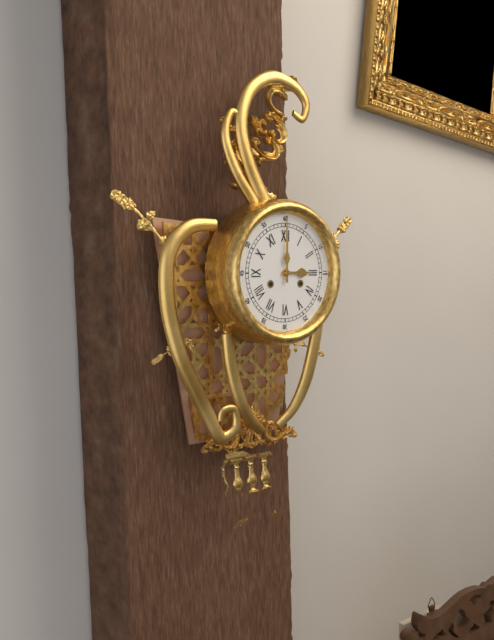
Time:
3.00
